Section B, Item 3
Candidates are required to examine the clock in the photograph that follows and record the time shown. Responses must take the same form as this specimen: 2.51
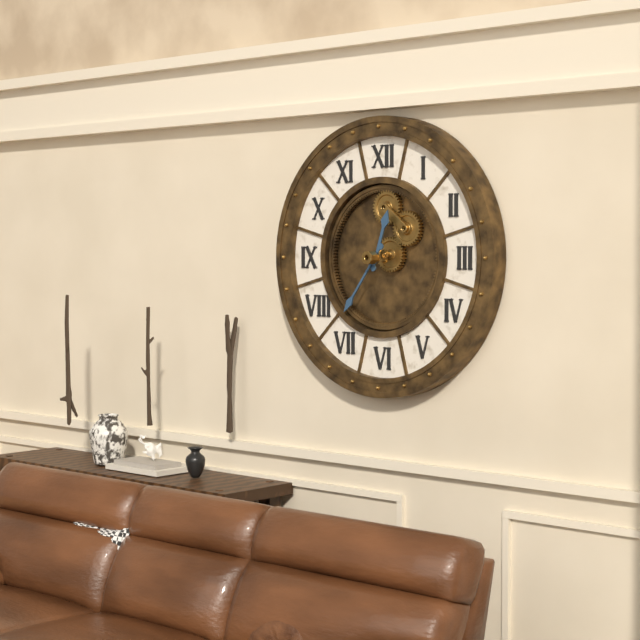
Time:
12.36
